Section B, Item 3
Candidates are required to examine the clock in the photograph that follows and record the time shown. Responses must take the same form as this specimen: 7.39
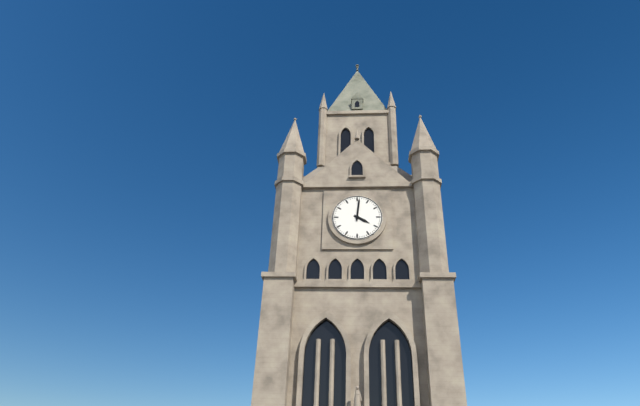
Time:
4.01
